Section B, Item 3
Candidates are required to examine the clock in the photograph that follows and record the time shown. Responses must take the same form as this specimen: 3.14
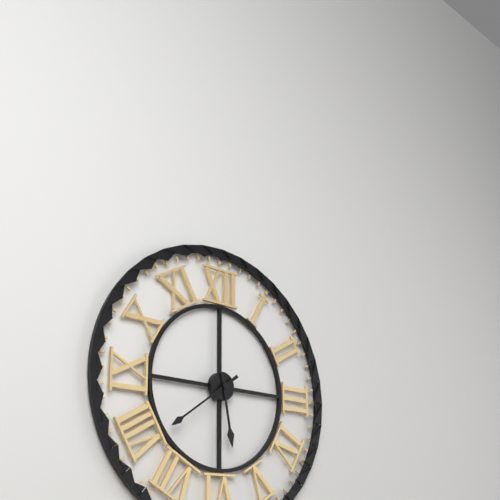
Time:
5.39
